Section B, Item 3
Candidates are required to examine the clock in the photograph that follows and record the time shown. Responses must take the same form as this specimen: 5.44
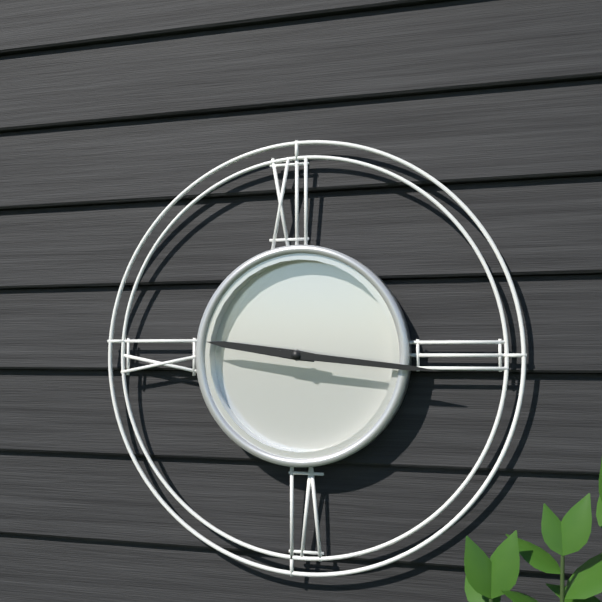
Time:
9.16
